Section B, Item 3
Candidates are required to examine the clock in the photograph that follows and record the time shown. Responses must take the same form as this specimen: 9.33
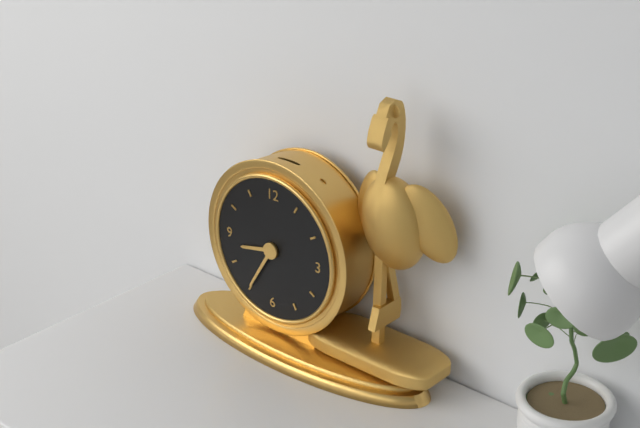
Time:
8.35
